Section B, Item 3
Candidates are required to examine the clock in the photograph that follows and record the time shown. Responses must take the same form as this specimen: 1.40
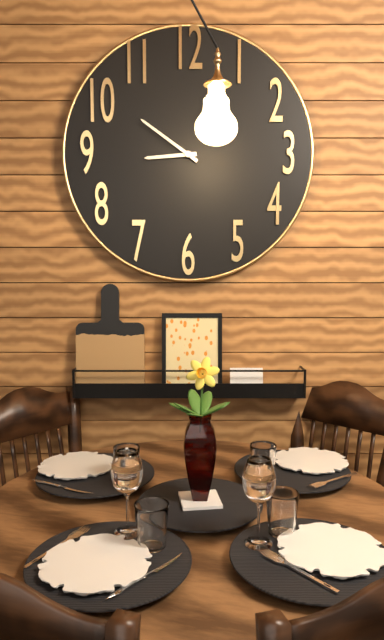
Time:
8.51
